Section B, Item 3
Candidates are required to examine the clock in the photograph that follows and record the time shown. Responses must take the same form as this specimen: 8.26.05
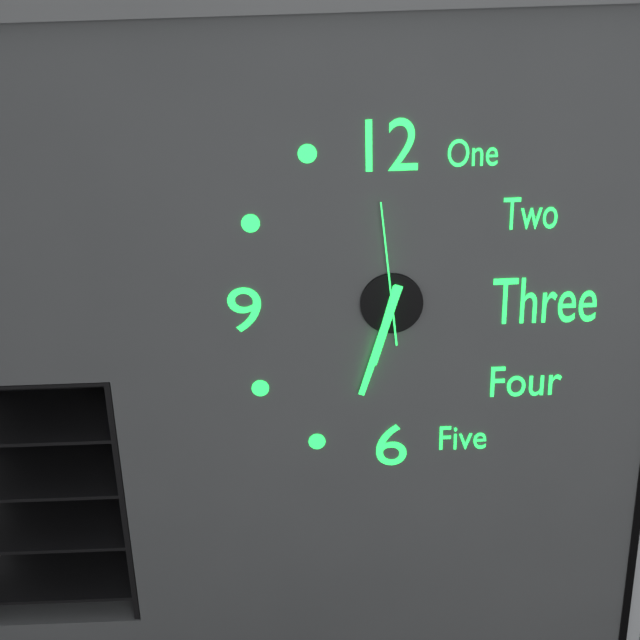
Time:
6.33.59
